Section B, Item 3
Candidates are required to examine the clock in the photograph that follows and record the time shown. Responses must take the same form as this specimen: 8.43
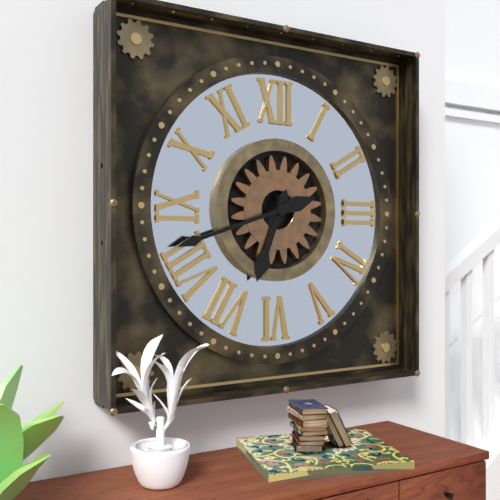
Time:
6.42
